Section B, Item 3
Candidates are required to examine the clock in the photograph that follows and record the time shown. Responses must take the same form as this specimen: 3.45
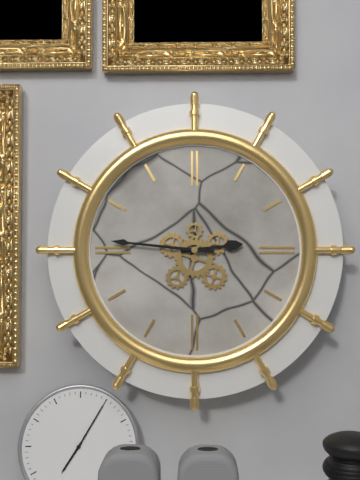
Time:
2.46
